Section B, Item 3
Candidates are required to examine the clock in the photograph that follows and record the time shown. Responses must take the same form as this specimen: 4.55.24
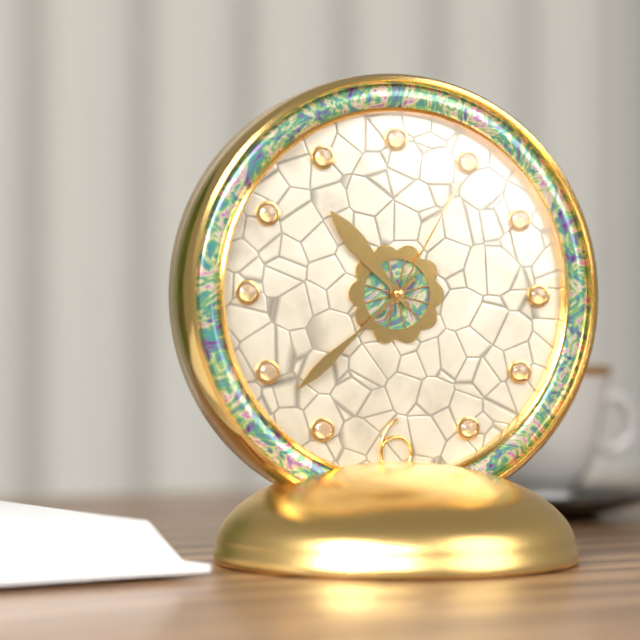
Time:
10.38.05
